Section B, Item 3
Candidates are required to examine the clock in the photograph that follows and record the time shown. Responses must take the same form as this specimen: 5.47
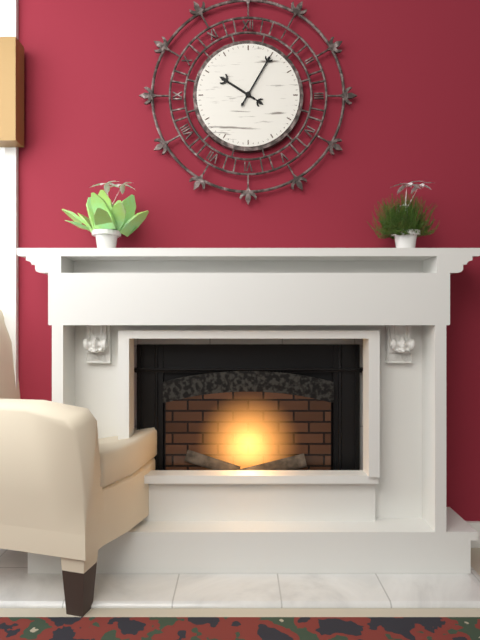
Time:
10.05
